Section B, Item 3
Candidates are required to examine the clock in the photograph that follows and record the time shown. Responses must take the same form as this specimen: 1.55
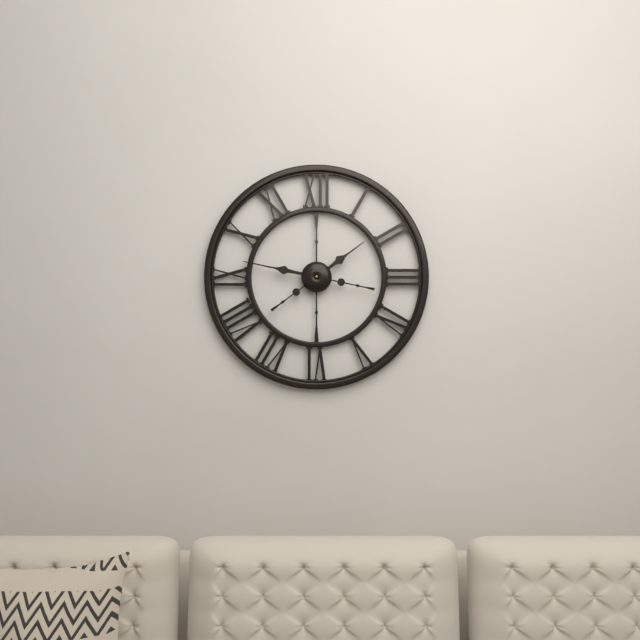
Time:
1.47
